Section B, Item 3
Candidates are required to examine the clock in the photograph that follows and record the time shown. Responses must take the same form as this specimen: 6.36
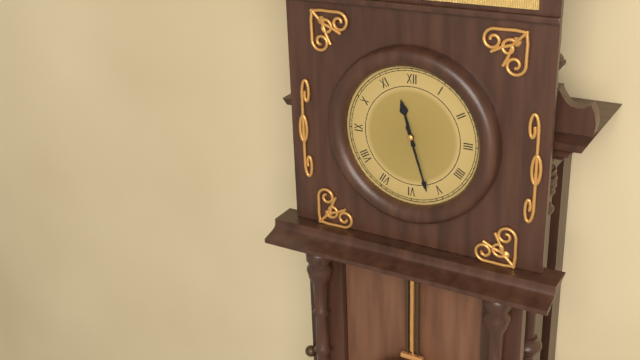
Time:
11.27
